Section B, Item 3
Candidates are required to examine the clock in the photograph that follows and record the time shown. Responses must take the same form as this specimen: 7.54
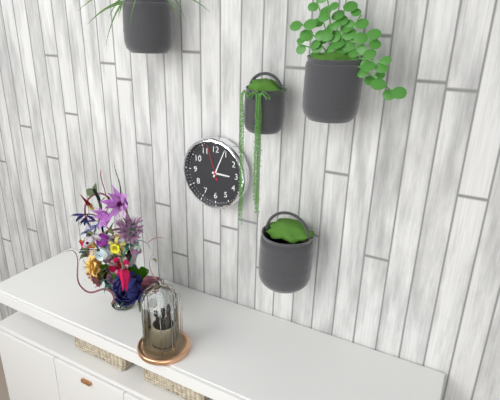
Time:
3.04
